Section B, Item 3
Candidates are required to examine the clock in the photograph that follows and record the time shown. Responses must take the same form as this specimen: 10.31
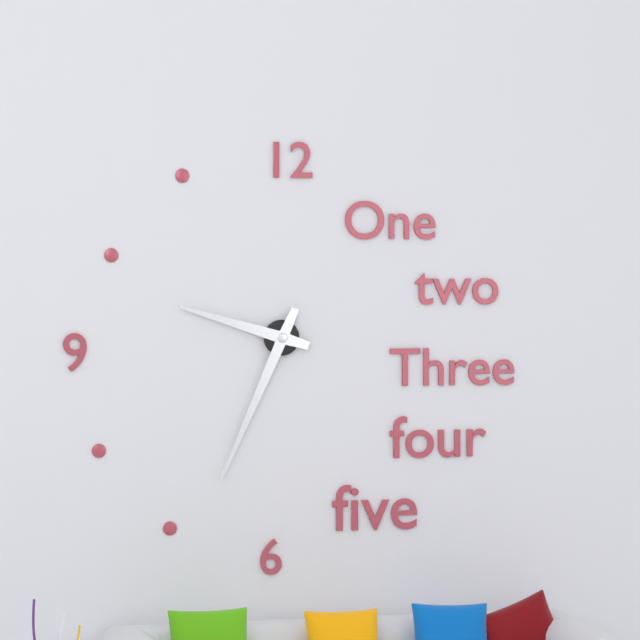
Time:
9.34
